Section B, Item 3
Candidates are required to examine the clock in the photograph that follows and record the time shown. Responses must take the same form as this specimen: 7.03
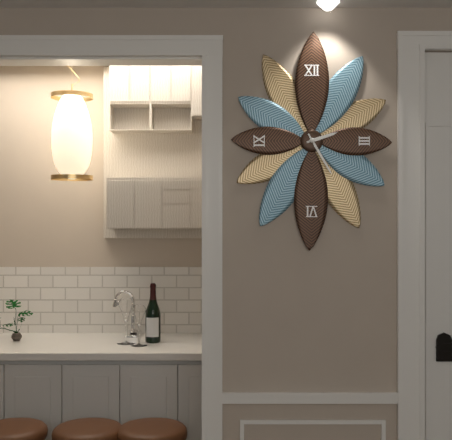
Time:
2.25
